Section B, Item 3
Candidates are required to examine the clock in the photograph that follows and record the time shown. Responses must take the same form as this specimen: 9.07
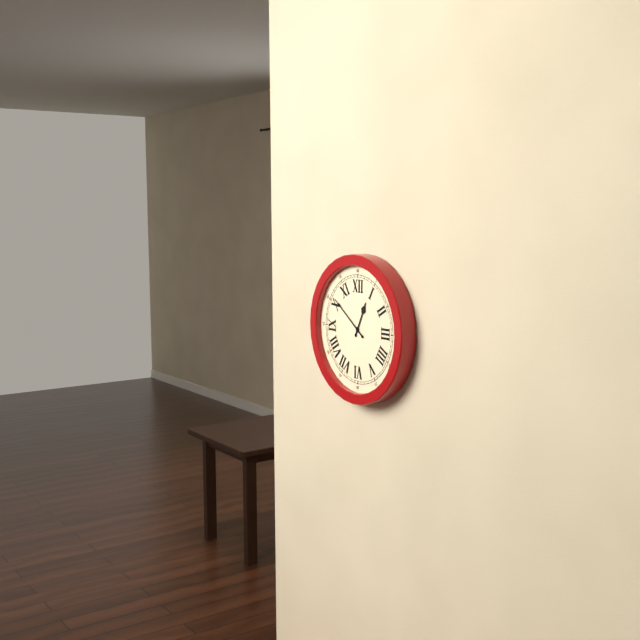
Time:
12.51
